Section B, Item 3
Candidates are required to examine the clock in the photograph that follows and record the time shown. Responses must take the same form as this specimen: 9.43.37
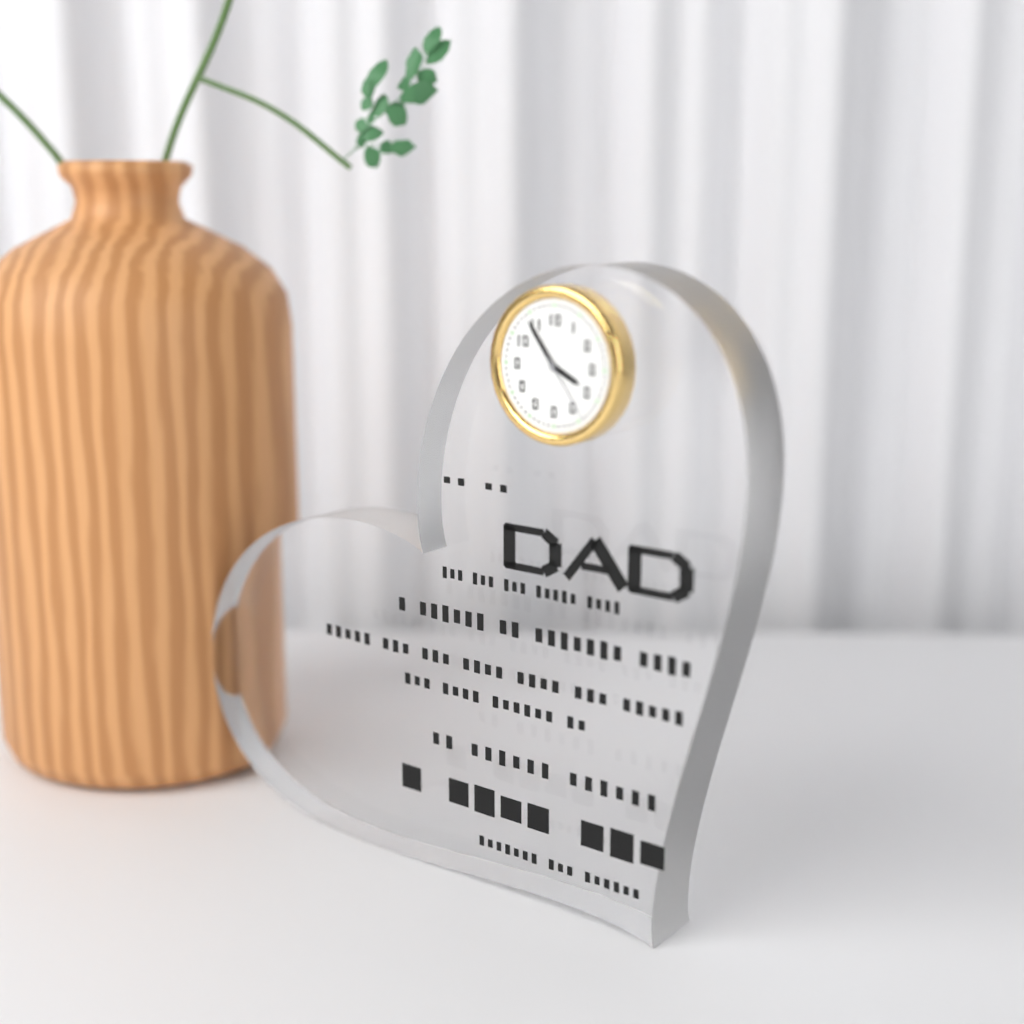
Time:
3.54.24
